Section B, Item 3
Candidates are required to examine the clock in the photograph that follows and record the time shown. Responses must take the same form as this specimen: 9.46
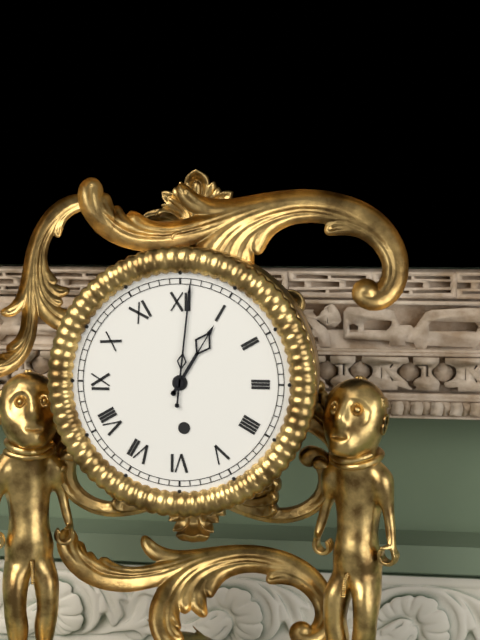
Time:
1.01
